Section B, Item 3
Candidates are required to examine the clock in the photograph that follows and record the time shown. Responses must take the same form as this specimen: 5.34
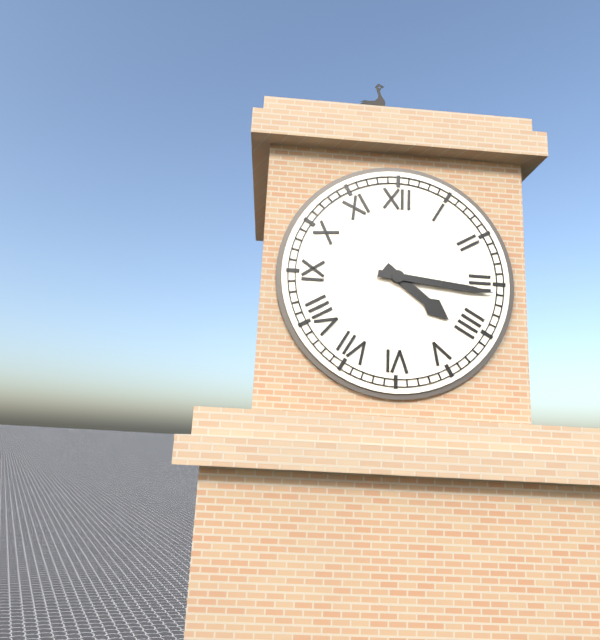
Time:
4.16
